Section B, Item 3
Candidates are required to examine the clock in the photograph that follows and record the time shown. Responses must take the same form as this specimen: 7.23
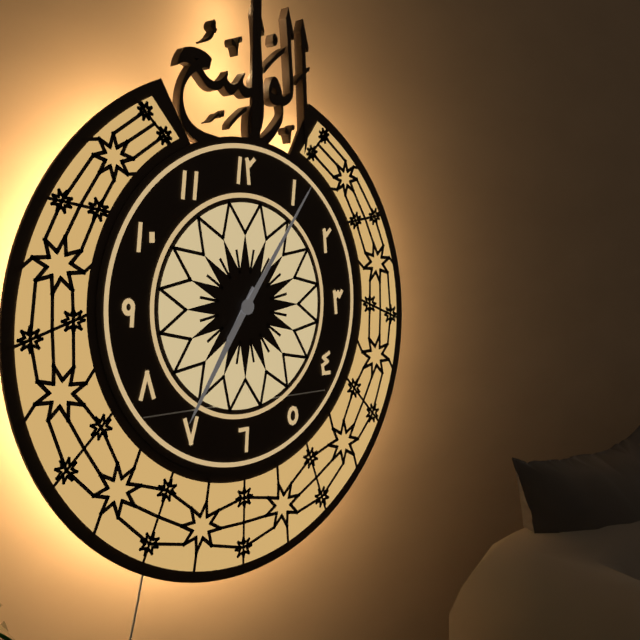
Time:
7.06
